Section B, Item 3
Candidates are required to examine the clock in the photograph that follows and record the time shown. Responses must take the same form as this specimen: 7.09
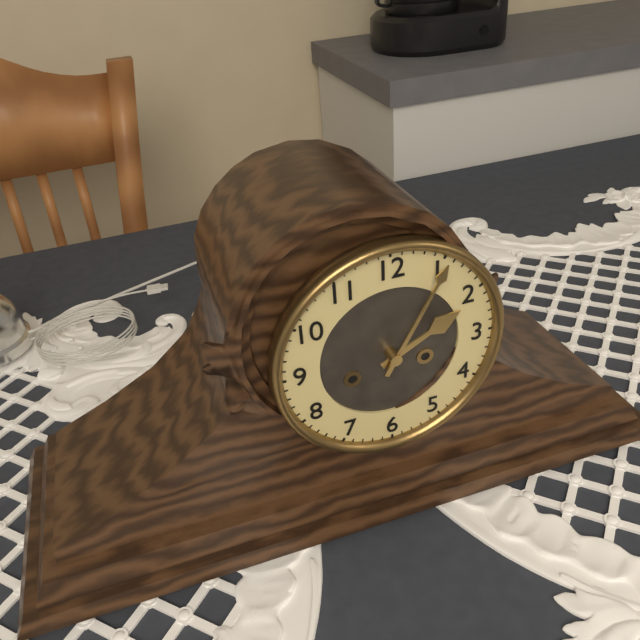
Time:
2.05
